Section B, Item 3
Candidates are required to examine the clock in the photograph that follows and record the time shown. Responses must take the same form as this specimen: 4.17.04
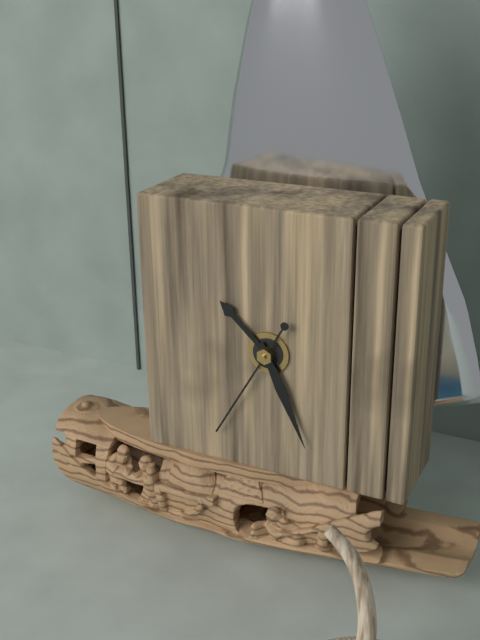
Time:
10.26.35
